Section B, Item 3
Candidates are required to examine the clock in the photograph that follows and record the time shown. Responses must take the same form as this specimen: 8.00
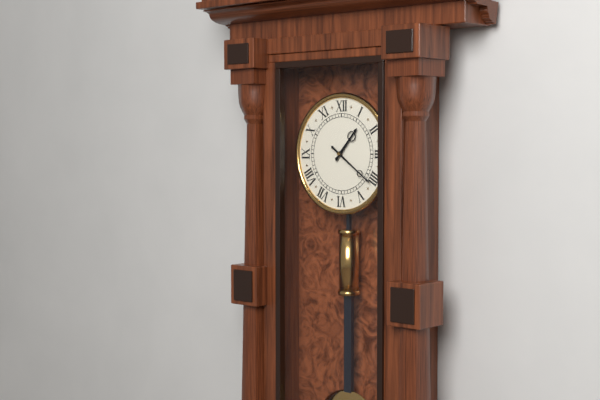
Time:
1.21
